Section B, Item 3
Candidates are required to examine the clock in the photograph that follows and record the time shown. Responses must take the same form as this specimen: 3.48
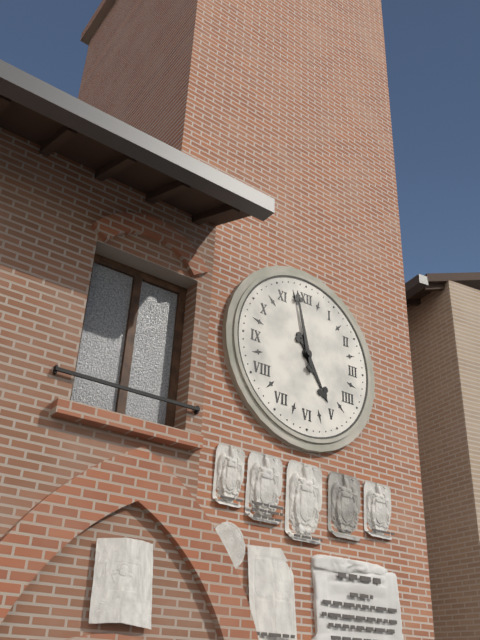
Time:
4.58
